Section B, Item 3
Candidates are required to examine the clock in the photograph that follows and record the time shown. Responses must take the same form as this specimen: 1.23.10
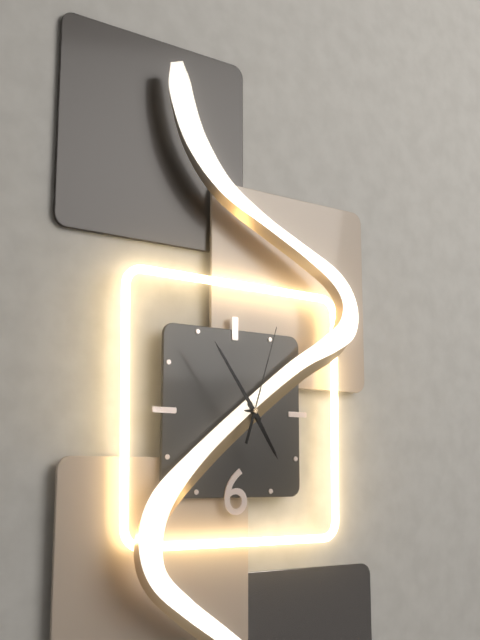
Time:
4.54.03
